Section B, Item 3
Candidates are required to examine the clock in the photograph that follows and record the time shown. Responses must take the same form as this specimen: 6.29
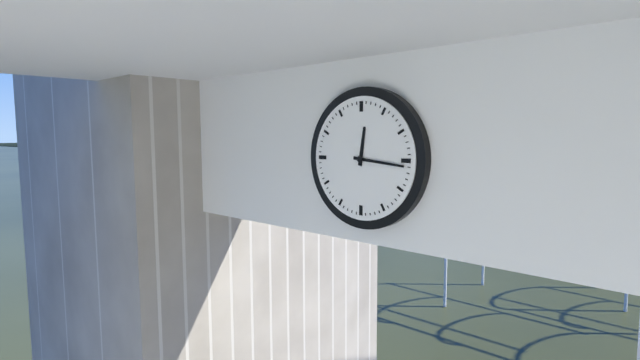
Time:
12.16
